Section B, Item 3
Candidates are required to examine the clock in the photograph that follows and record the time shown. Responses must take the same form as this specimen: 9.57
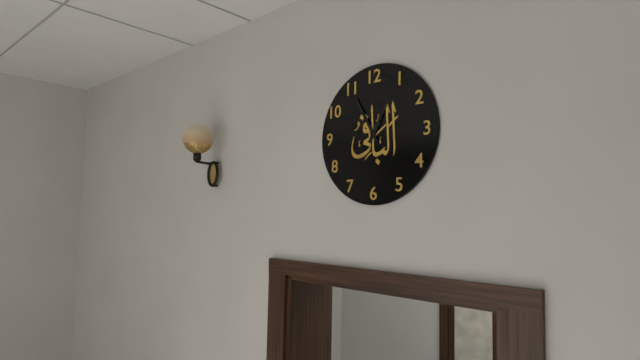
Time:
12.55
